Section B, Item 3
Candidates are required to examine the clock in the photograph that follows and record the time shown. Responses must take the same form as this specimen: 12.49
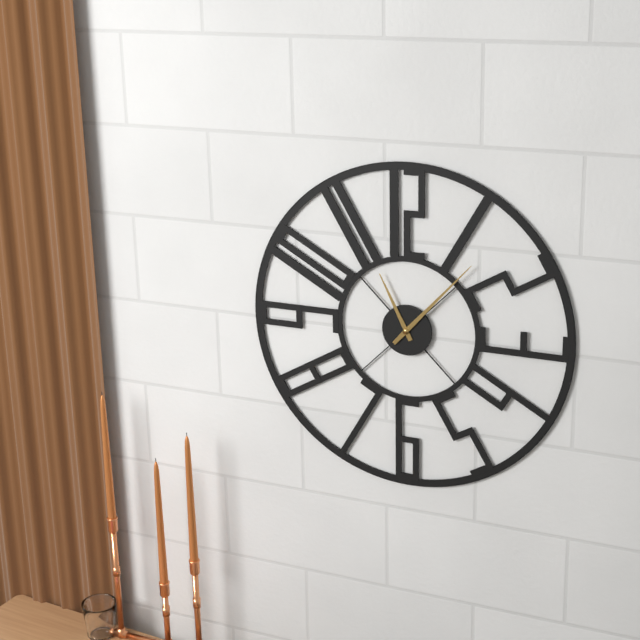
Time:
11.07
